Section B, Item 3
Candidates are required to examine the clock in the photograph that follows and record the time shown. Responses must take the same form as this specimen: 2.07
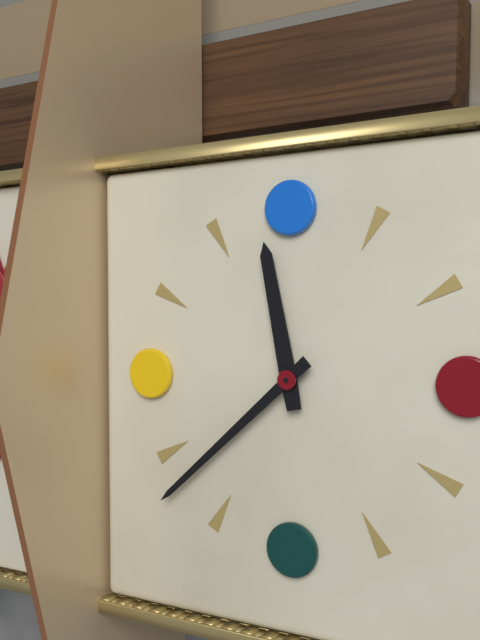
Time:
11.38
